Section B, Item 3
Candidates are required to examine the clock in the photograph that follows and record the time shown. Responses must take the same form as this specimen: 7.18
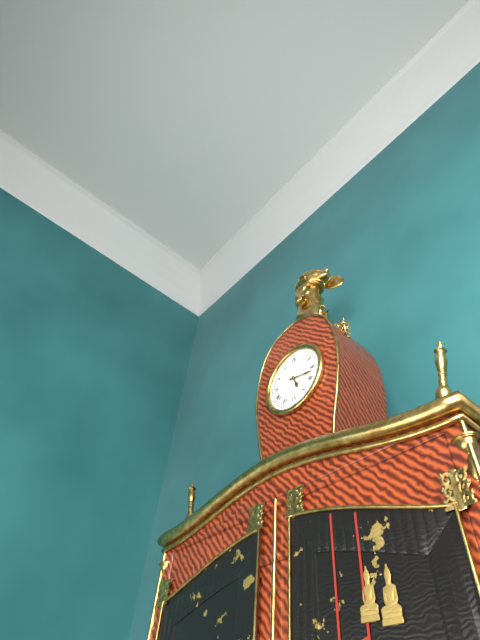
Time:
5.17
